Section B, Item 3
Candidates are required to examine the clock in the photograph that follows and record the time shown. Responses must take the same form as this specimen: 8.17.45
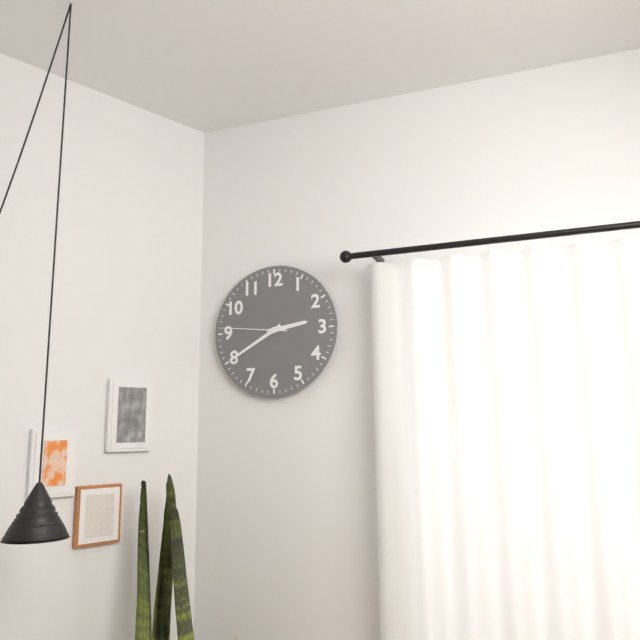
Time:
2.40.46
